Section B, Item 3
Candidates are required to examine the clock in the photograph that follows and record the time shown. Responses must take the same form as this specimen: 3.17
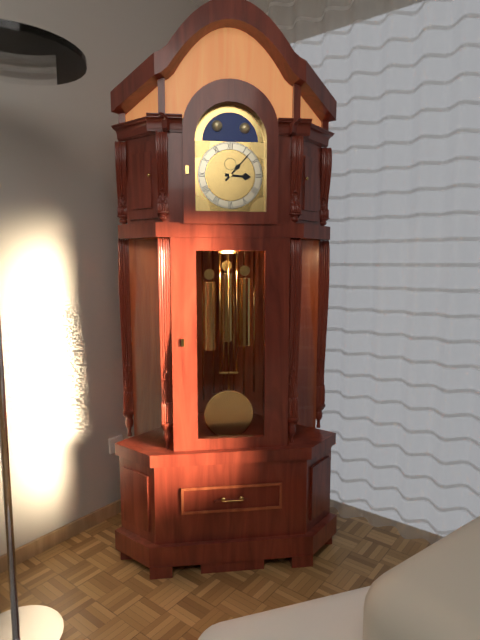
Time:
3.07
